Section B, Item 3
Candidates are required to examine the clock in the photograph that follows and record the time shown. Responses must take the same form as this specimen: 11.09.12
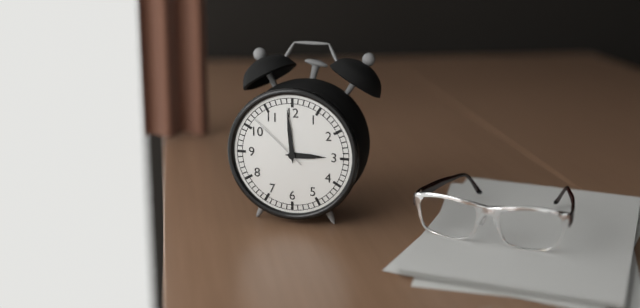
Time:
2.59.52
